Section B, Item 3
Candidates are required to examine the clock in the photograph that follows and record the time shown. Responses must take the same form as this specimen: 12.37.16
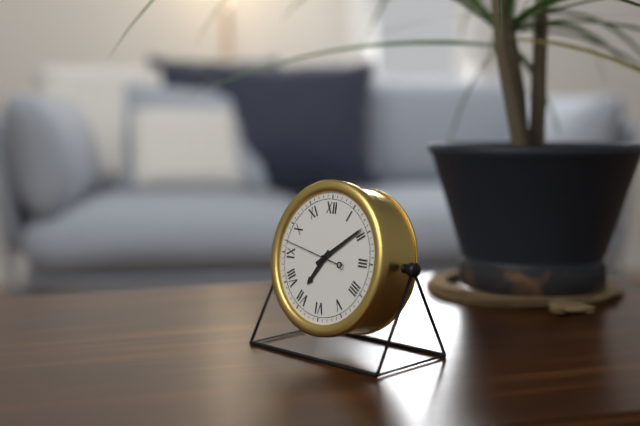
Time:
7.09.47
